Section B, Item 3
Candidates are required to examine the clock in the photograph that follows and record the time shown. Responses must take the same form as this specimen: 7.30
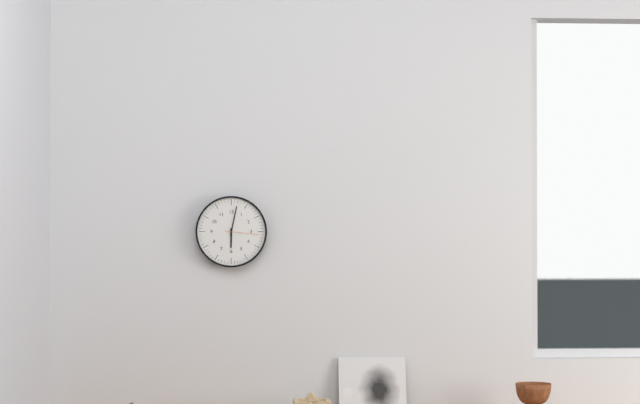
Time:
6.02
